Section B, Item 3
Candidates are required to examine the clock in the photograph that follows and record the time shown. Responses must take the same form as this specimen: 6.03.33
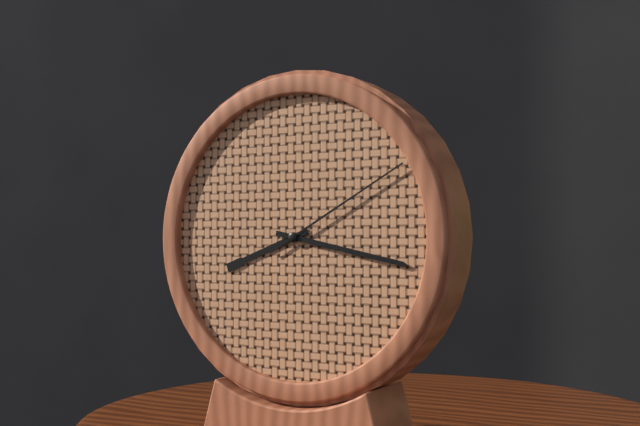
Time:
8.17.10
